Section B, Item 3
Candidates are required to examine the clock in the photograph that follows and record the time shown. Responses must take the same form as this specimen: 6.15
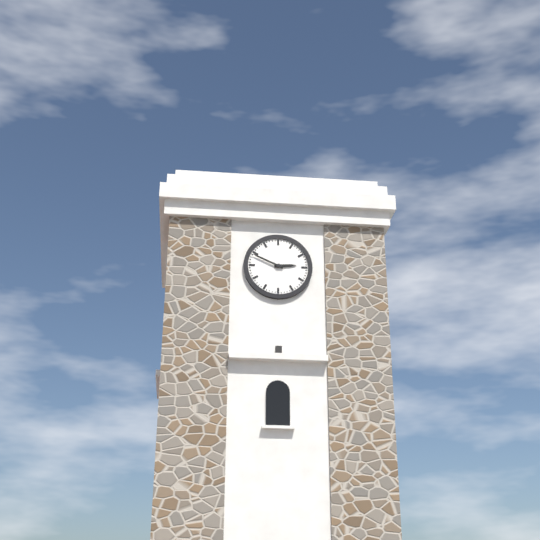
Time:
2.49
